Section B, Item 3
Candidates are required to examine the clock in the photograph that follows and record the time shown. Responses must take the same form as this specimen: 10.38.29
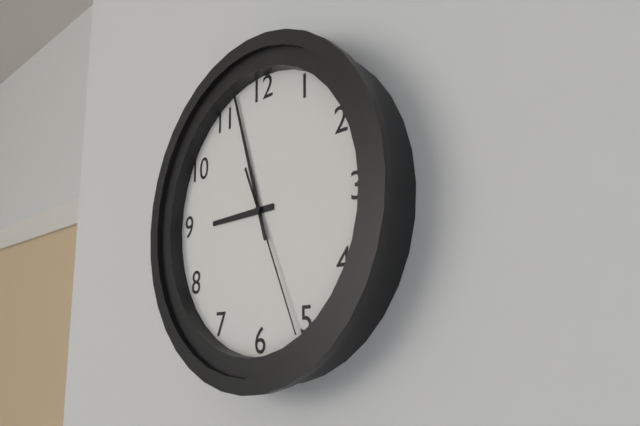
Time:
8.57.26
